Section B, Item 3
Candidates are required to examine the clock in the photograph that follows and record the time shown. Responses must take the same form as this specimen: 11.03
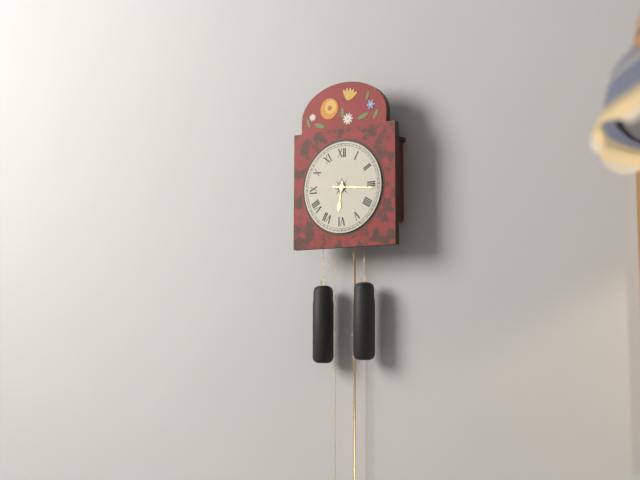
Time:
6.16
